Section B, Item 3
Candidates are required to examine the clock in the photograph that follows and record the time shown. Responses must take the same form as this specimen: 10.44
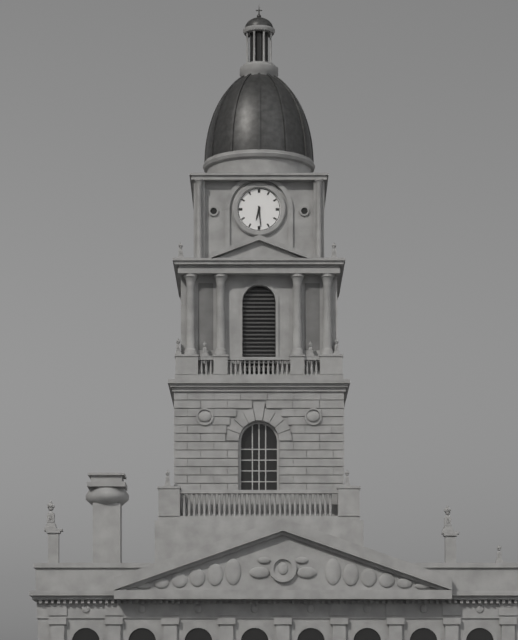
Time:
6.29
